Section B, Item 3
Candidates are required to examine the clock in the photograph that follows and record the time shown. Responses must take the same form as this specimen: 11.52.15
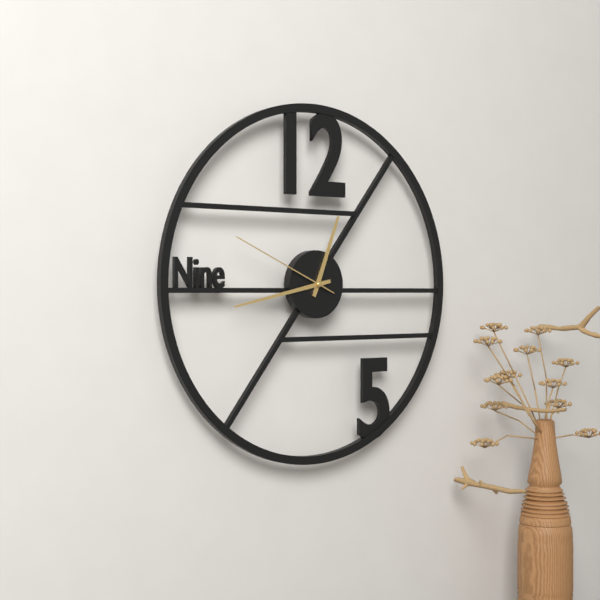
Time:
12.43.49
